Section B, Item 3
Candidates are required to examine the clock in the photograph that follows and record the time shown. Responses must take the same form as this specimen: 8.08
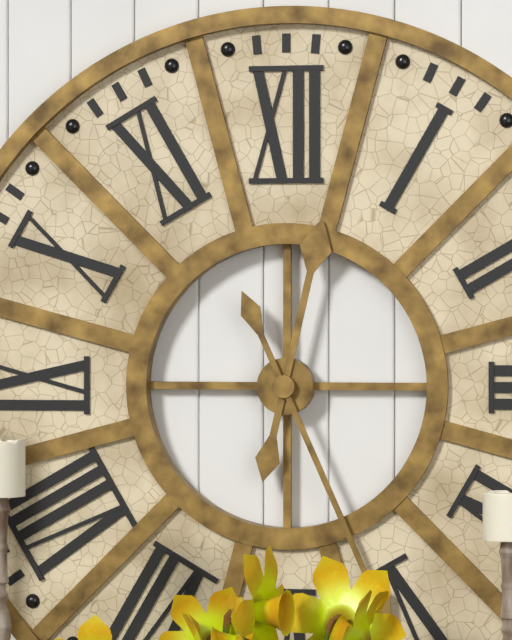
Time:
12.26
